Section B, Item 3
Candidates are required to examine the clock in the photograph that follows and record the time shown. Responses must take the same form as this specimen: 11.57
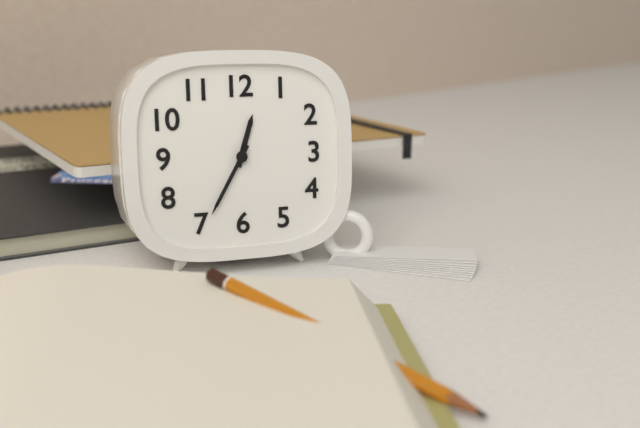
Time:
12.35
